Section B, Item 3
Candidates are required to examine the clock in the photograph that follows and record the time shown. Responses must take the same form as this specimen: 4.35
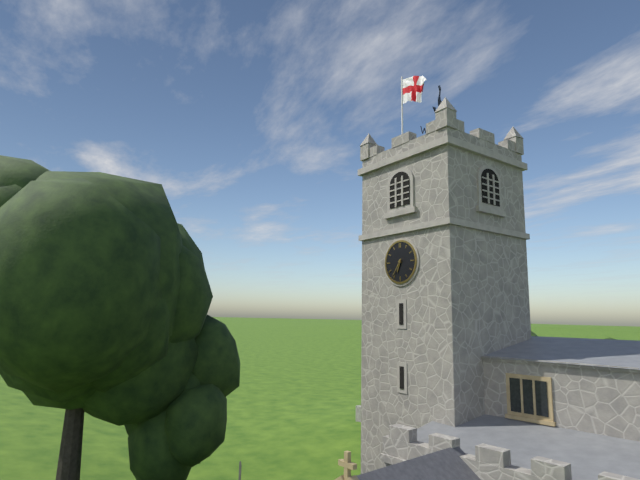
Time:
6.36
